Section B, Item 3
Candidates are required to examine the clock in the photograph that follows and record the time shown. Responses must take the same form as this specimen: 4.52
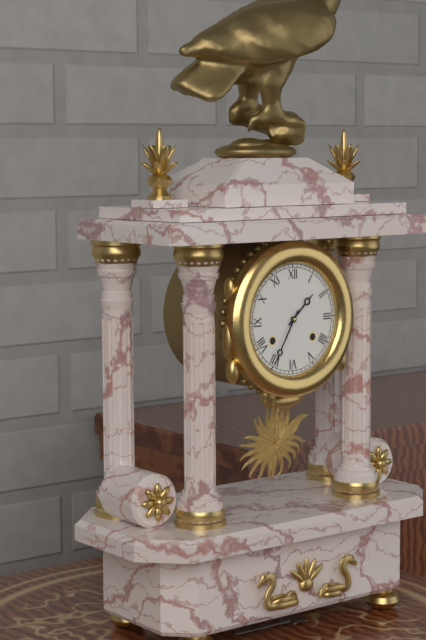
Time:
1.35
